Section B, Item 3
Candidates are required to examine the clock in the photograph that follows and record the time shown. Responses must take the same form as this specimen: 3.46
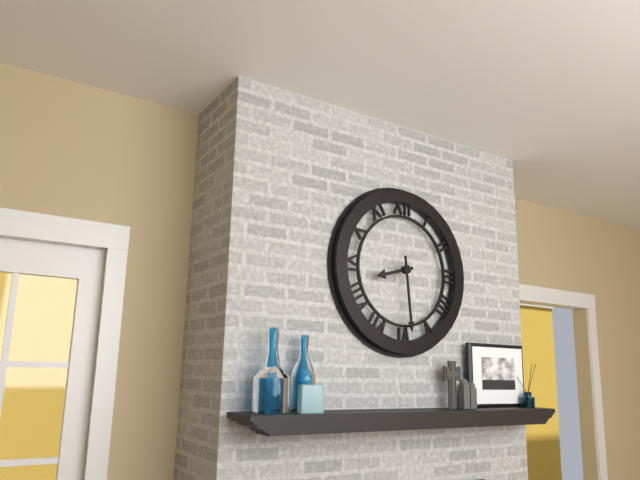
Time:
8.29
